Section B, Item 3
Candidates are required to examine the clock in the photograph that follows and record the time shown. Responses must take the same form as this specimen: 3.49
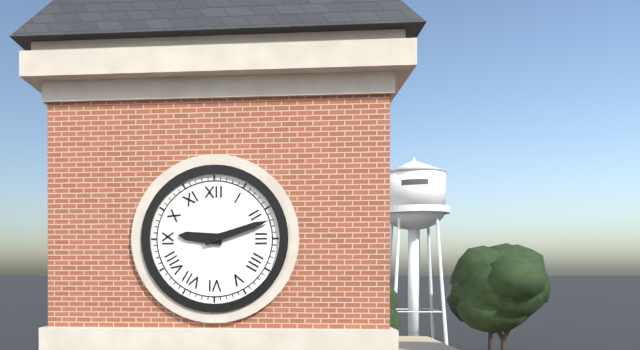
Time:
9.12
